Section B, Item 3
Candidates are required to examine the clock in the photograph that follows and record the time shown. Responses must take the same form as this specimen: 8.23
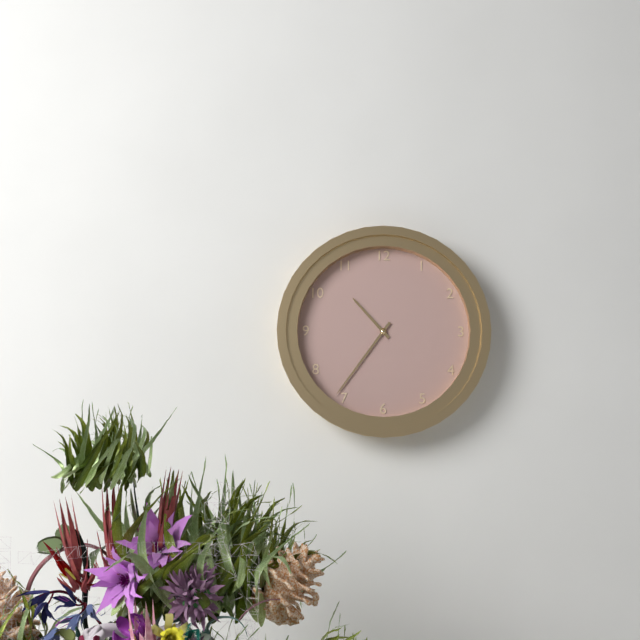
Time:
10.36
